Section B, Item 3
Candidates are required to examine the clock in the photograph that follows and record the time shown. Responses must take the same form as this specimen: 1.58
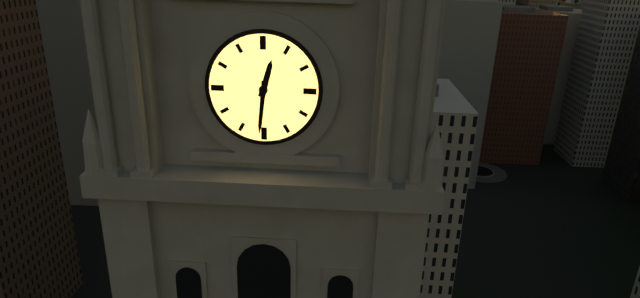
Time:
12.31
